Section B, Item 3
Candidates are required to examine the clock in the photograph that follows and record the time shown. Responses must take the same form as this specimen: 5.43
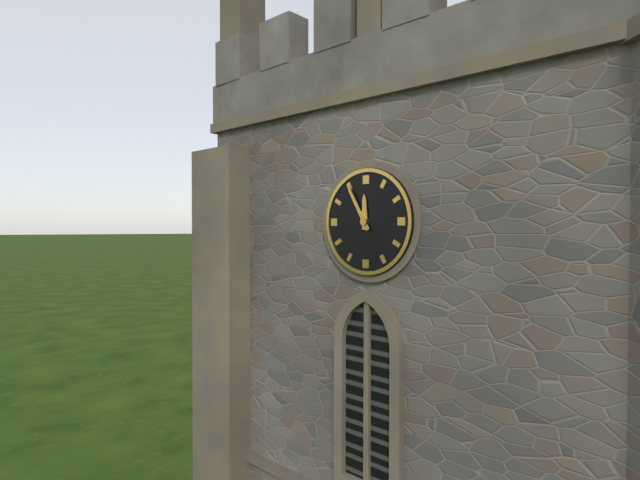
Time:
11.55
